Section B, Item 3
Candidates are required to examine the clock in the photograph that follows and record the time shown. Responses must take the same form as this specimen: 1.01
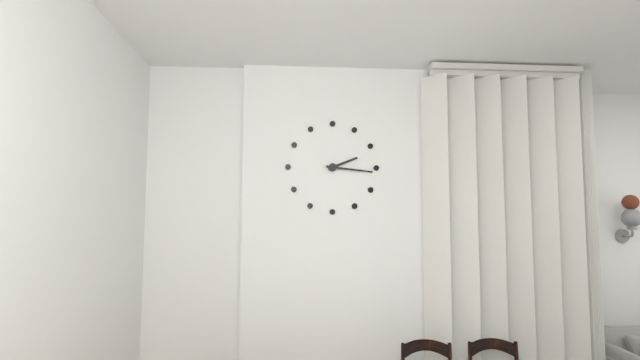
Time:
2.16
